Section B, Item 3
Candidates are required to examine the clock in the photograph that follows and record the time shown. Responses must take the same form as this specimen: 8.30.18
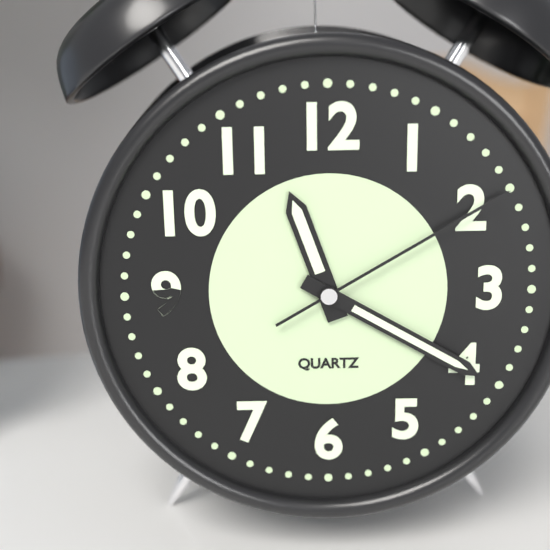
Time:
11.20.10
